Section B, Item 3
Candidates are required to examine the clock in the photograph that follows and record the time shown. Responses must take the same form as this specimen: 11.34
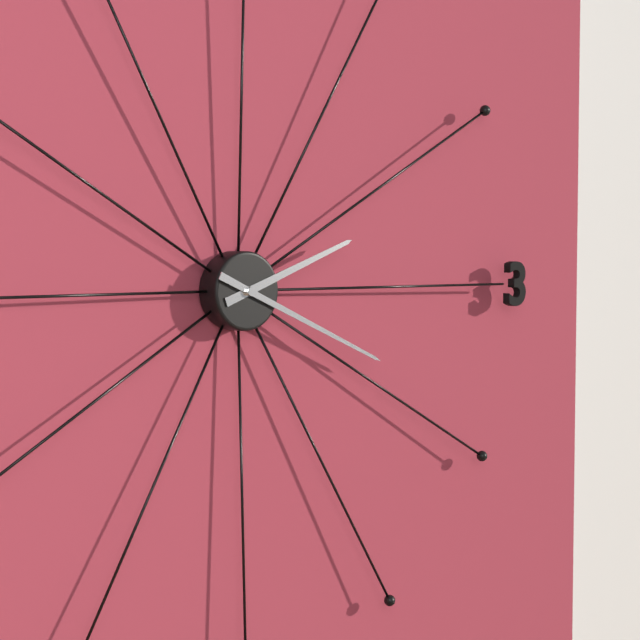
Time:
2.19
